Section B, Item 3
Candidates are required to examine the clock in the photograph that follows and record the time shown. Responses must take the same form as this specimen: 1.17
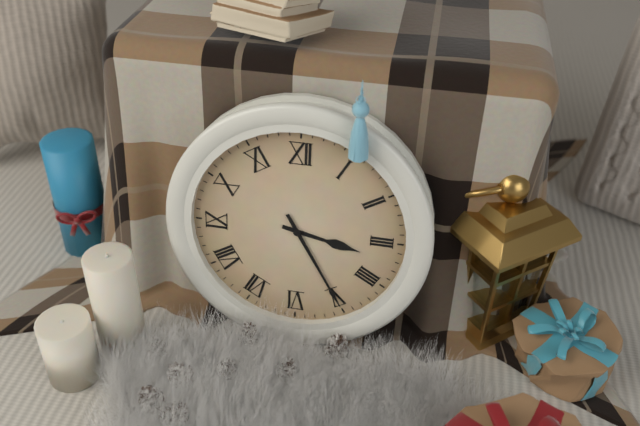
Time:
3.25
